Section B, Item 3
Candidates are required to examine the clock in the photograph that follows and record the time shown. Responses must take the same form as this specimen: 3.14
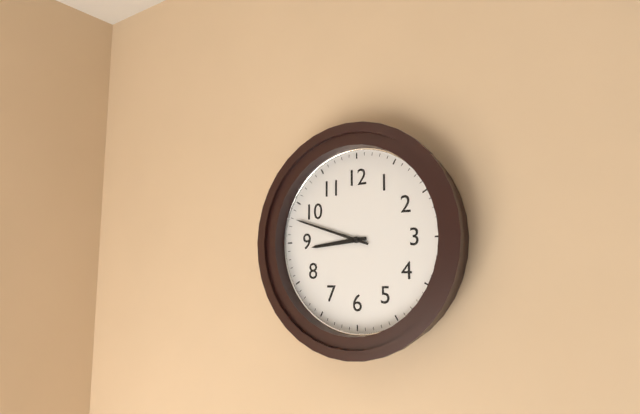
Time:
8.48
